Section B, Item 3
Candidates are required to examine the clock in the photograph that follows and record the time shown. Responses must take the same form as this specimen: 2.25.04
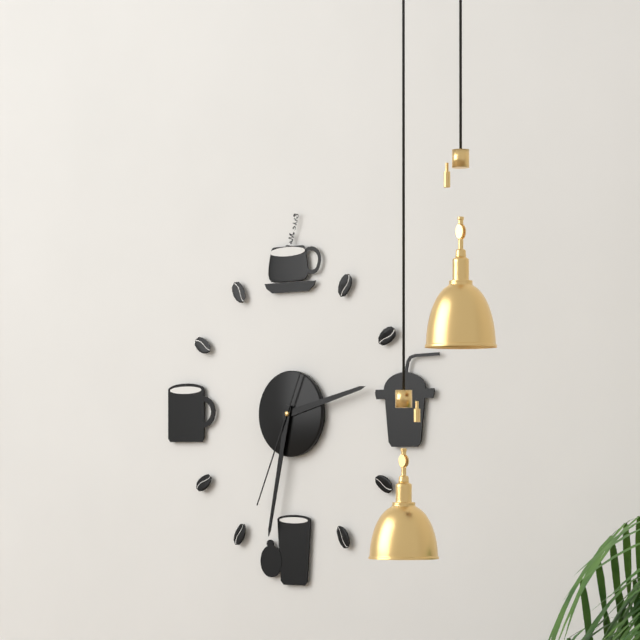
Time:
2.32.34
